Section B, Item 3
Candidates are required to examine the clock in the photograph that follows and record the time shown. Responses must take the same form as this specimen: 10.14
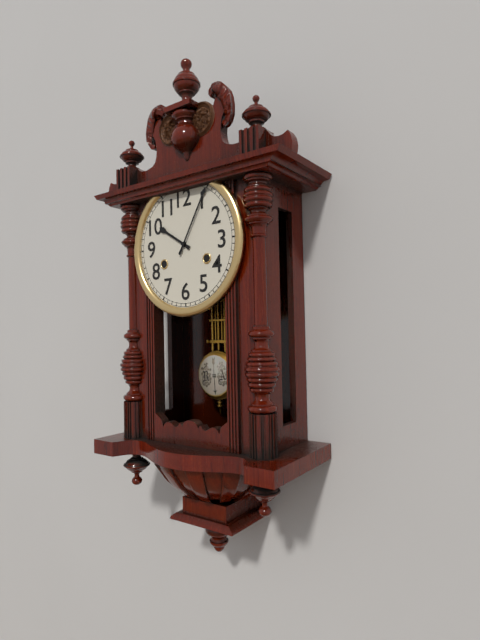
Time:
10.05
